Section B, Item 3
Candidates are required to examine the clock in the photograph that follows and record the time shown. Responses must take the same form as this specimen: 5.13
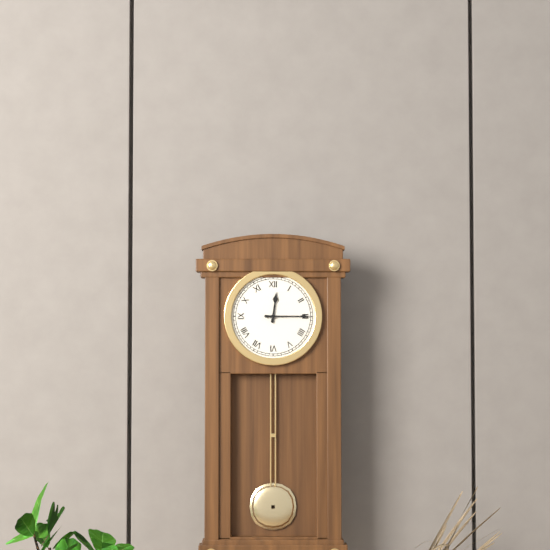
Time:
12.15
